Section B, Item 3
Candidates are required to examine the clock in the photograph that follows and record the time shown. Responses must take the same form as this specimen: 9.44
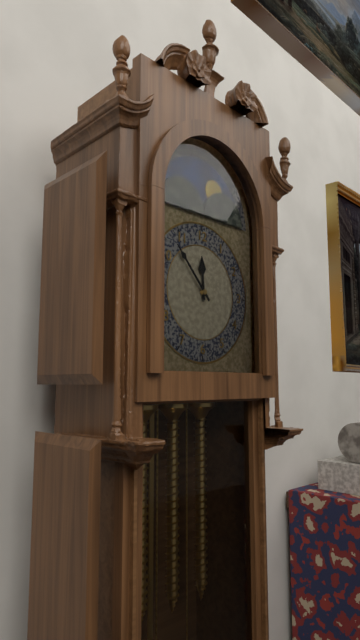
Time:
11.53
